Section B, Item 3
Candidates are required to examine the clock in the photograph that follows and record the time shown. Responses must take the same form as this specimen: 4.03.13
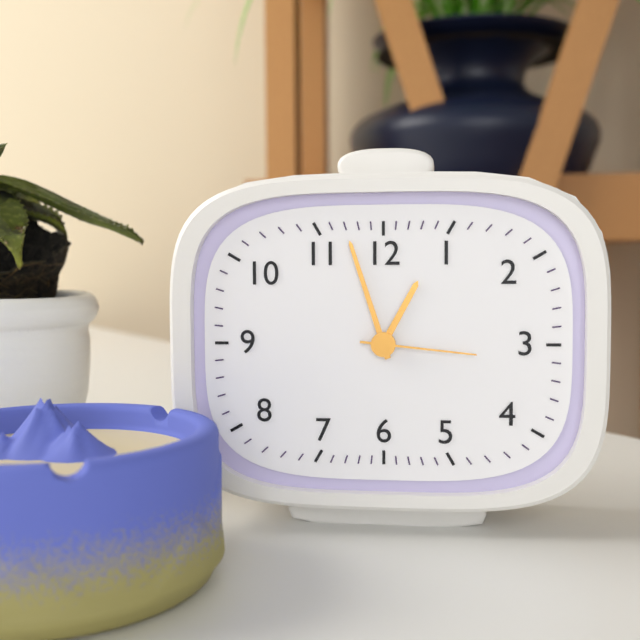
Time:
12.57.16
